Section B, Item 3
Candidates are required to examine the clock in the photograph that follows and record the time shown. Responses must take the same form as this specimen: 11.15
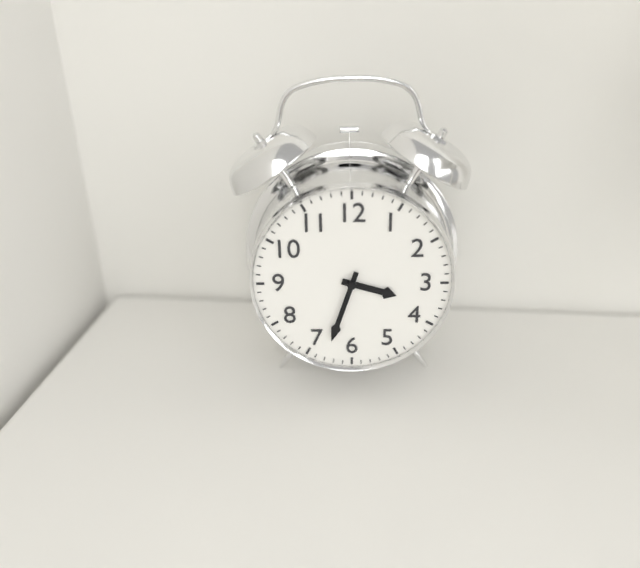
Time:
3.33
